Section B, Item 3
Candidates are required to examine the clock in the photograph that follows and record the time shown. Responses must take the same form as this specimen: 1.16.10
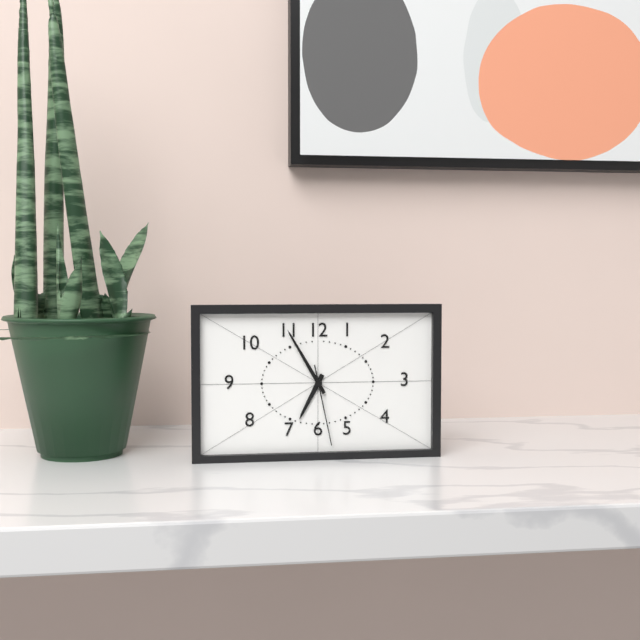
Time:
6.55.28
